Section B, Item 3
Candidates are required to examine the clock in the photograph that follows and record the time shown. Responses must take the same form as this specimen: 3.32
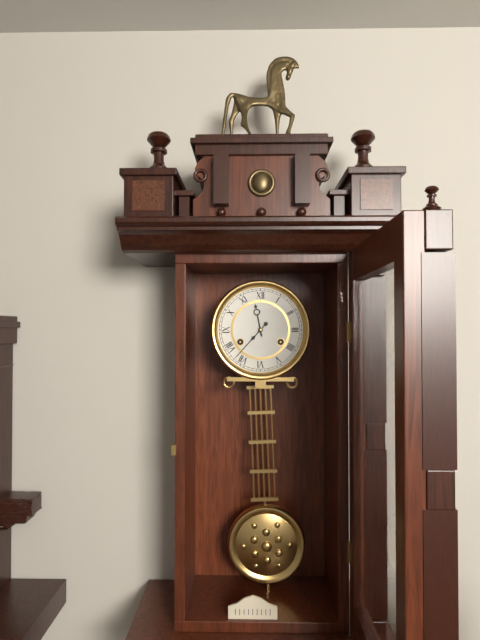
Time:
11.37
